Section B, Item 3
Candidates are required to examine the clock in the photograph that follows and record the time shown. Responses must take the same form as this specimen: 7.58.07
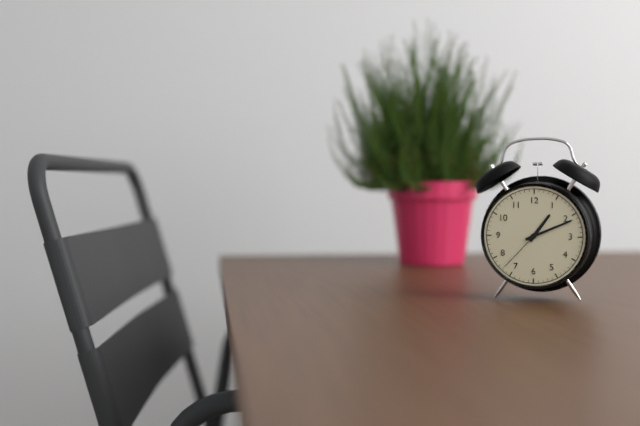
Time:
1.11.37
